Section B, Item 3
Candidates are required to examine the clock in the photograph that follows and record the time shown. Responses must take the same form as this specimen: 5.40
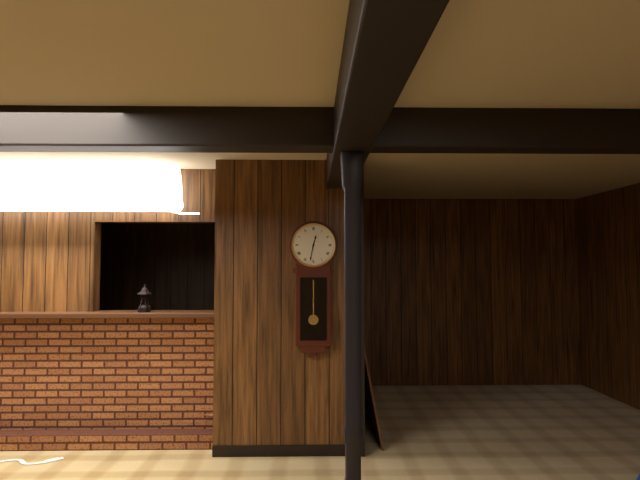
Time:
12.32
